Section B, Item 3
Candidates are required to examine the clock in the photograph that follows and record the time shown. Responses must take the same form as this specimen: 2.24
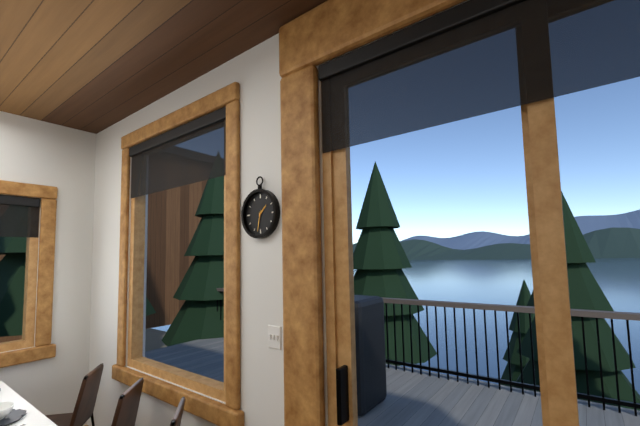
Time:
1.32
